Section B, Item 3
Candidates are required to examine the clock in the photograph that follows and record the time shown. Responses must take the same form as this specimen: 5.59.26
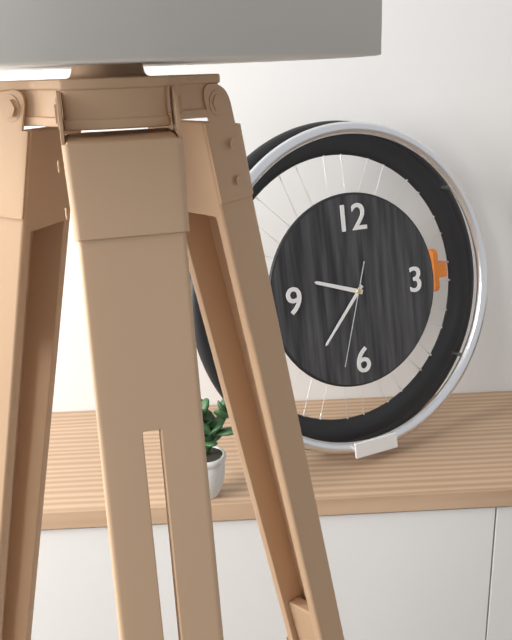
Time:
9.37.33
